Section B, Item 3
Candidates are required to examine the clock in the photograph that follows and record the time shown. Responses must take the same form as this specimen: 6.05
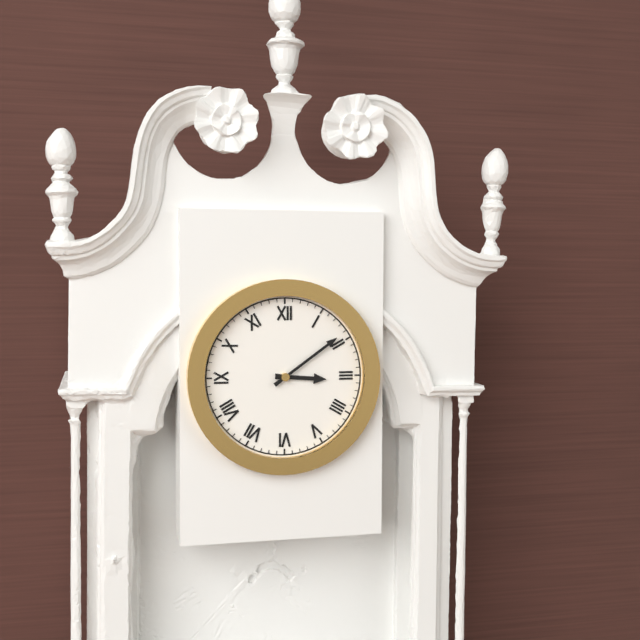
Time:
3.09
